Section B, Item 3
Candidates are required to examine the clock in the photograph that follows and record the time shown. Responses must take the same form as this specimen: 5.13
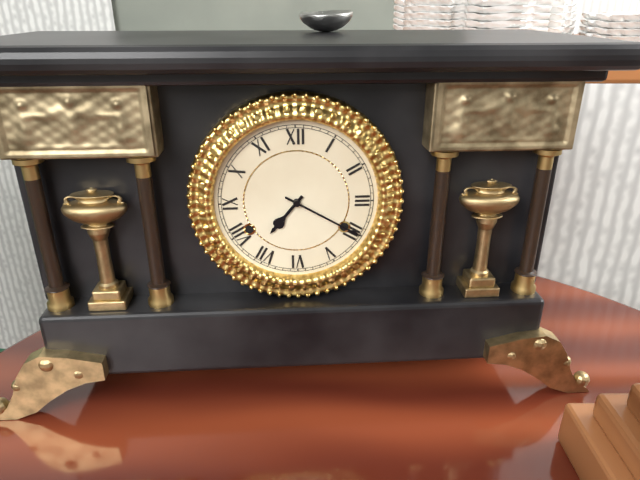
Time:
7.20
